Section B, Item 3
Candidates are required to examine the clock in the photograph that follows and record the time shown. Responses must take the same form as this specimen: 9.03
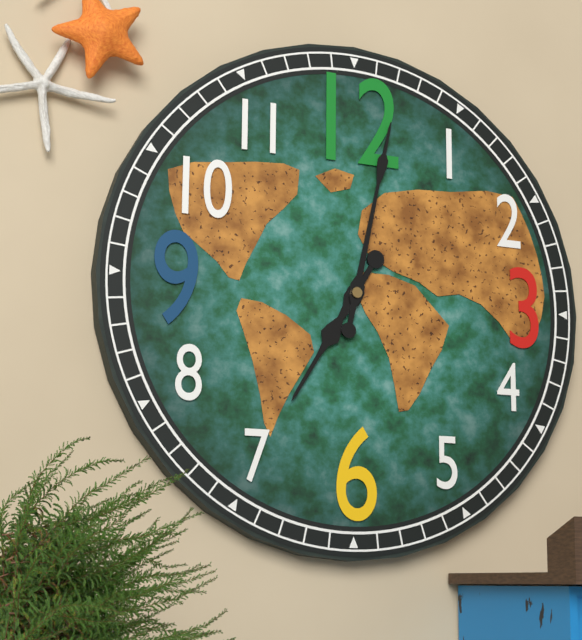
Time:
7.02
